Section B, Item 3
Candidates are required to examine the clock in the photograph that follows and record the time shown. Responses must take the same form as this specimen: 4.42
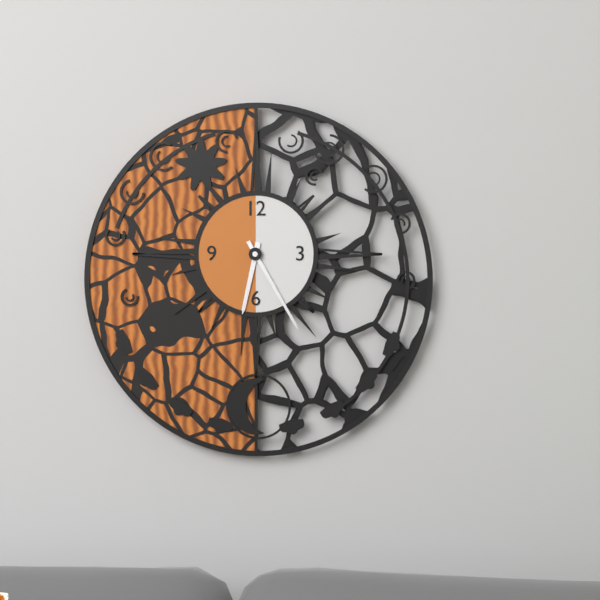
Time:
6.25
